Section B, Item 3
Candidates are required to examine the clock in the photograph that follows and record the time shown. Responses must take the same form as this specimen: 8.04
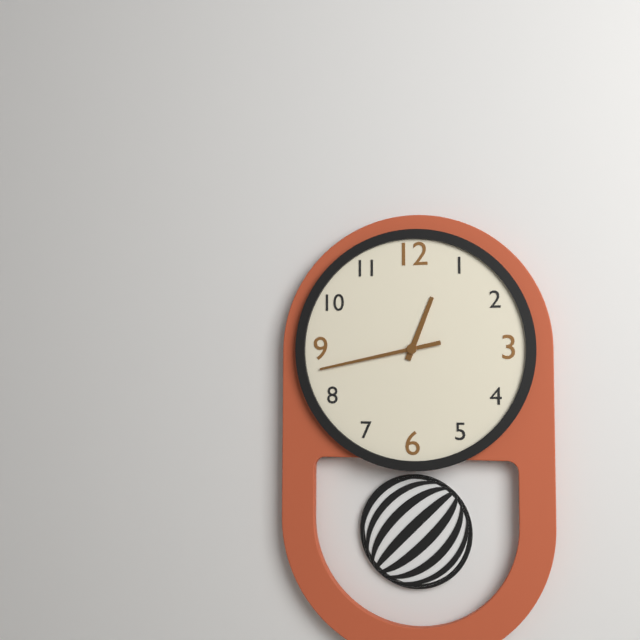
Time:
12.43
